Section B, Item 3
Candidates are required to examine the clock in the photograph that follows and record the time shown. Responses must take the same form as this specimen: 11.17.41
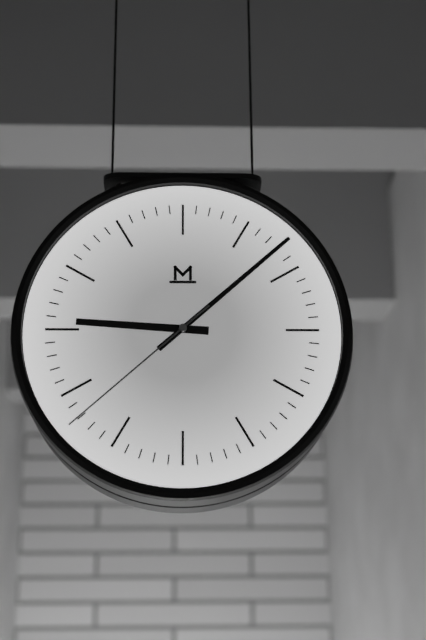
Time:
9.08.38
